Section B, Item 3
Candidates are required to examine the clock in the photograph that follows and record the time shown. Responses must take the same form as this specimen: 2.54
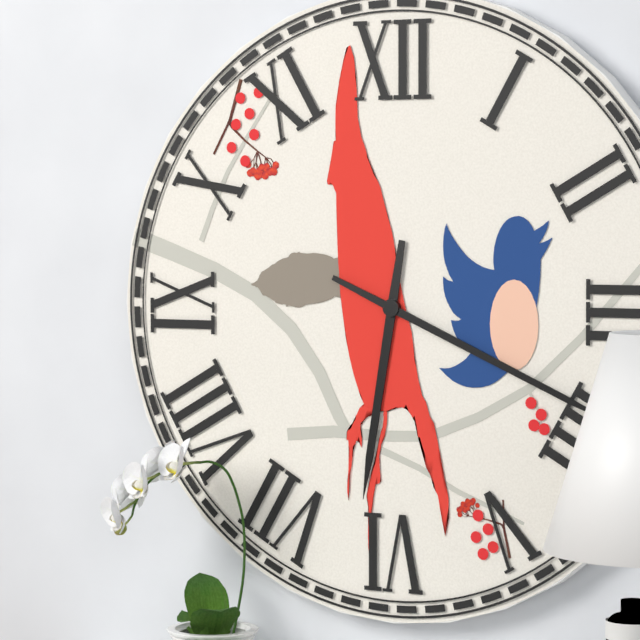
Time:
6.19
